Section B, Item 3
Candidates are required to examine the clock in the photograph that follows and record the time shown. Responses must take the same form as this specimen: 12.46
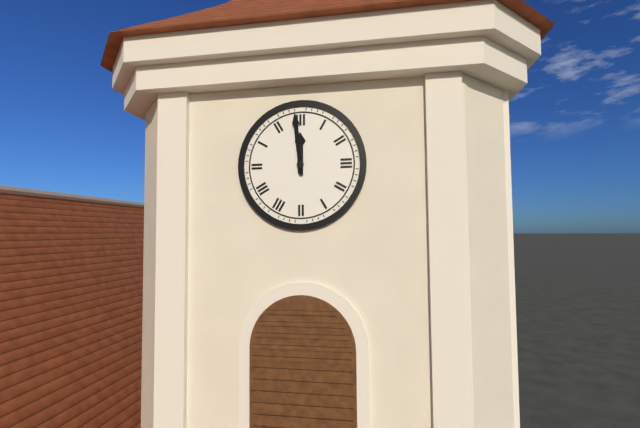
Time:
11.59
